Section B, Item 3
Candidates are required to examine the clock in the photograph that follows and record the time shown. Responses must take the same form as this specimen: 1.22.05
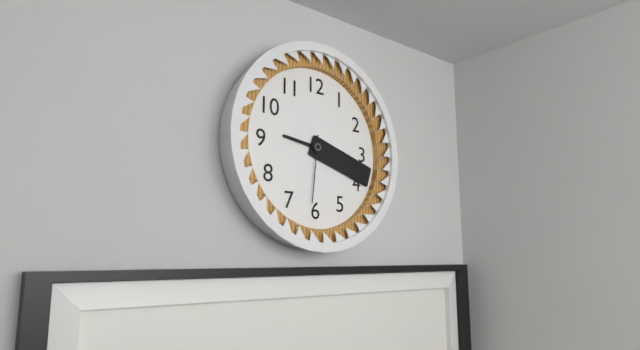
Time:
9.18.31
